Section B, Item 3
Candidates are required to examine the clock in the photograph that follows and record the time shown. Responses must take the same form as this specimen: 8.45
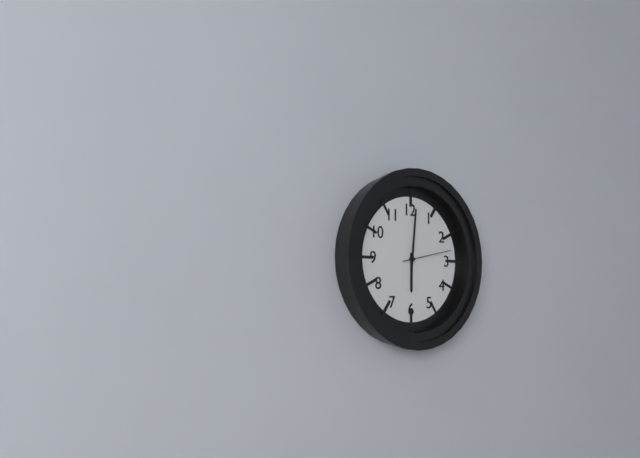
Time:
6.01
